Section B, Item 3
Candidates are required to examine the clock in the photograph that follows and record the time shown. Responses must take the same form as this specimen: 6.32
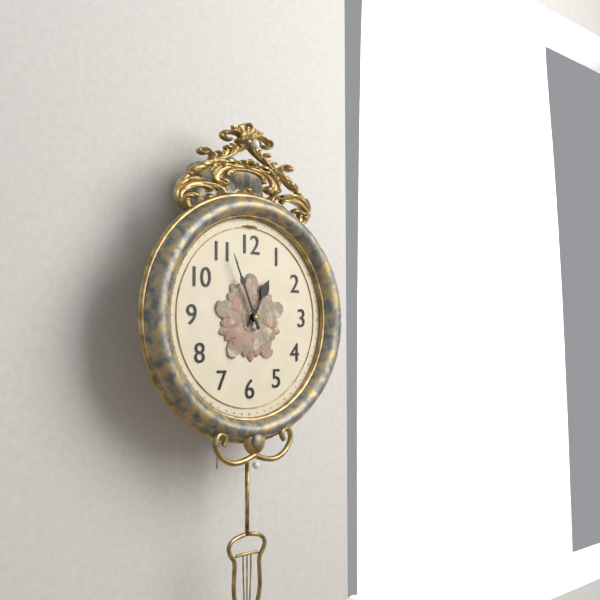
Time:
12.56
